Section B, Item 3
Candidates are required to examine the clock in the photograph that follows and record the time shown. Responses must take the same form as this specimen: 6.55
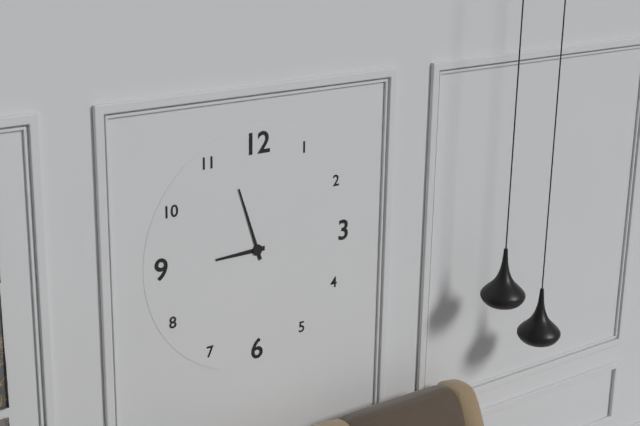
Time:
8.57
